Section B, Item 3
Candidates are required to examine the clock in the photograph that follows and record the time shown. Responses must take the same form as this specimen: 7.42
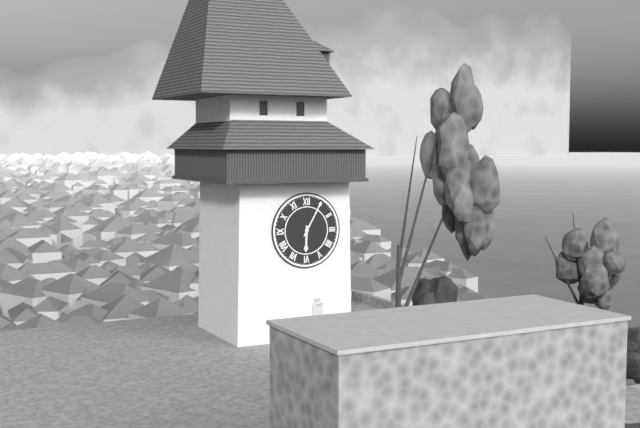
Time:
6.05
